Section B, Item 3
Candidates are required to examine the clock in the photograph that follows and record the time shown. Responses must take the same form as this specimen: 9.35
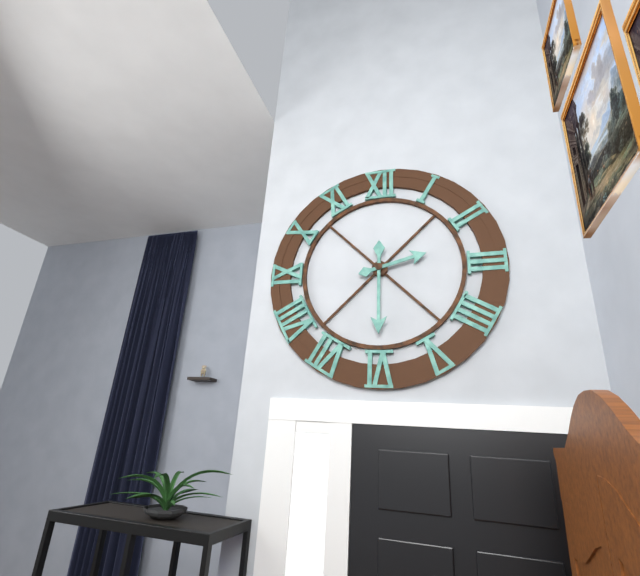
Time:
2.30
